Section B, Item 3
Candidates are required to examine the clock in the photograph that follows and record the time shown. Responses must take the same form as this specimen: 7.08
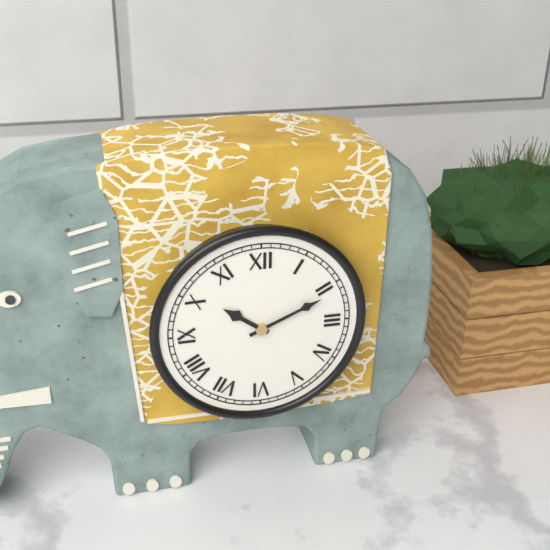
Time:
10.11
